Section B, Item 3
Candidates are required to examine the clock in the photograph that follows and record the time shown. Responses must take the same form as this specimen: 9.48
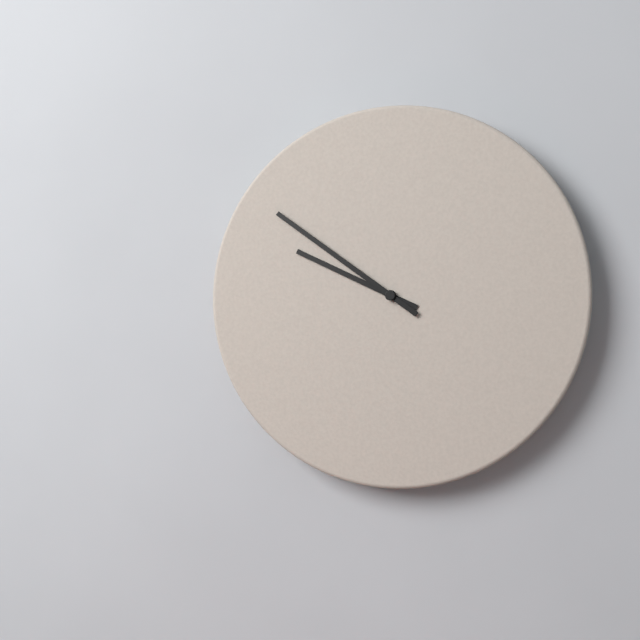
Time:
9.51
